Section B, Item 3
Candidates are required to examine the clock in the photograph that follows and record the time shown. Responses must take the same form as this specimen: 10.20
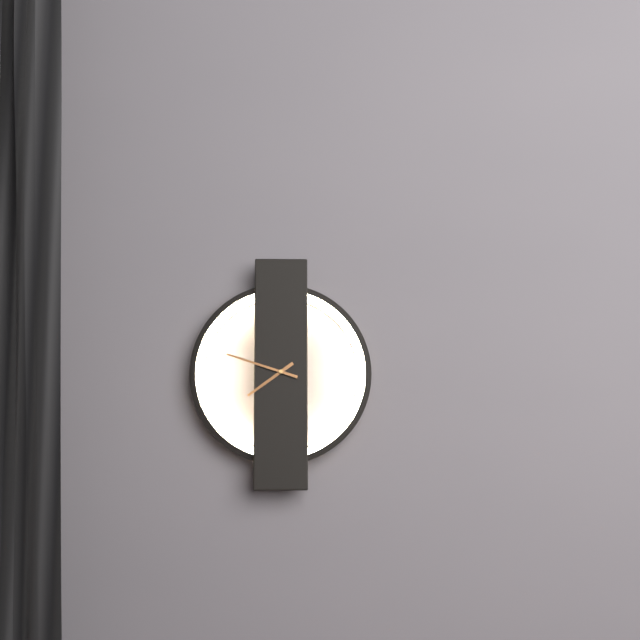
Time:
7.48
